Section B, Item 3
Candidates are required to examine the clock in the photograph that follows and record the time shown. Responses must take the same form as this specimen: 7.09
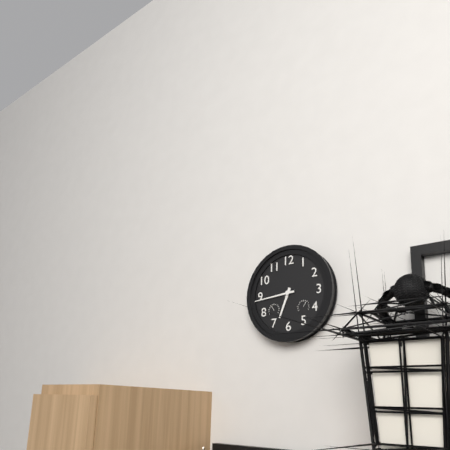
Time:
6.44
